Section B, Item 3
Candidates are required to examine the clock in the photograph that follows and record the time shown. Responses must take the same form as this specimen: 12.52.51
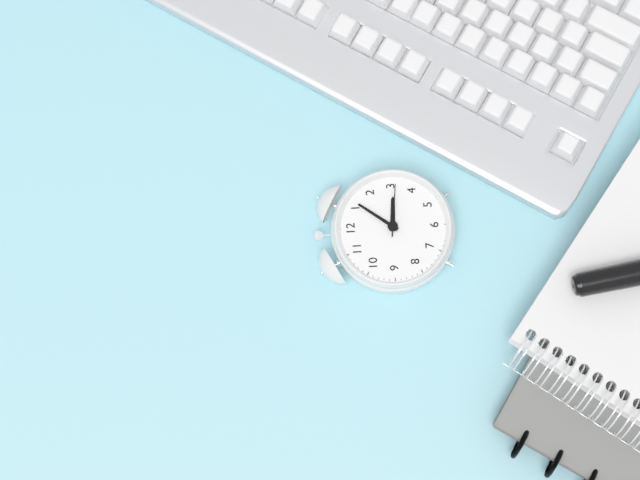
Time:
3.06.16
